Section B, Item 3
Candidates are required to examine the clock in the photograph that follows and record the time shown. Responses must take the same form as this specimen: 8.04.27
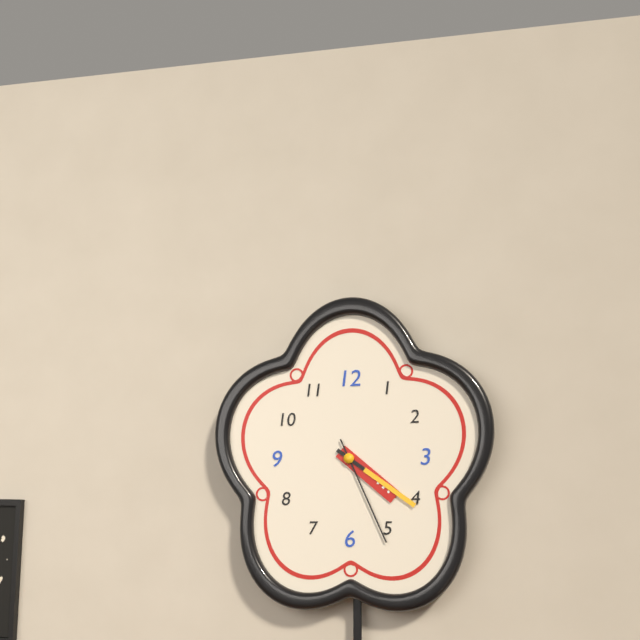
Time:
4.21.26
